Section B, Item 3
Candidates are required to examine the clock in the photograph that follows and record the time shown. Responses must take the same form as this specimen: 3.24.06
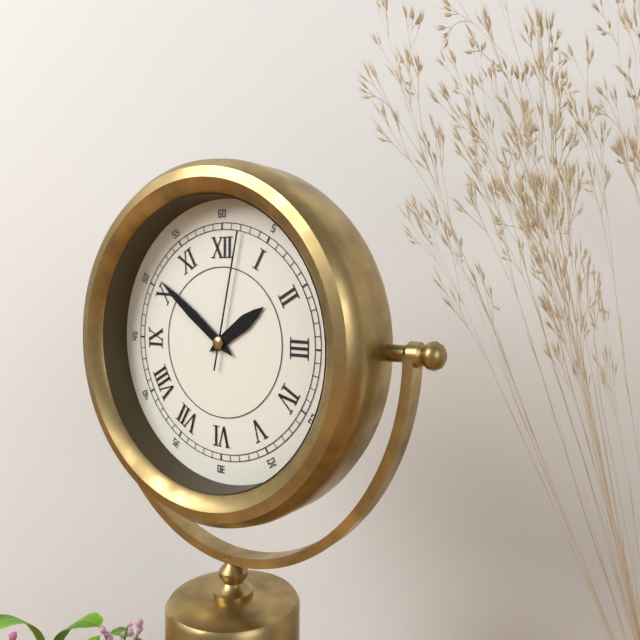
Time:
1.51.02
